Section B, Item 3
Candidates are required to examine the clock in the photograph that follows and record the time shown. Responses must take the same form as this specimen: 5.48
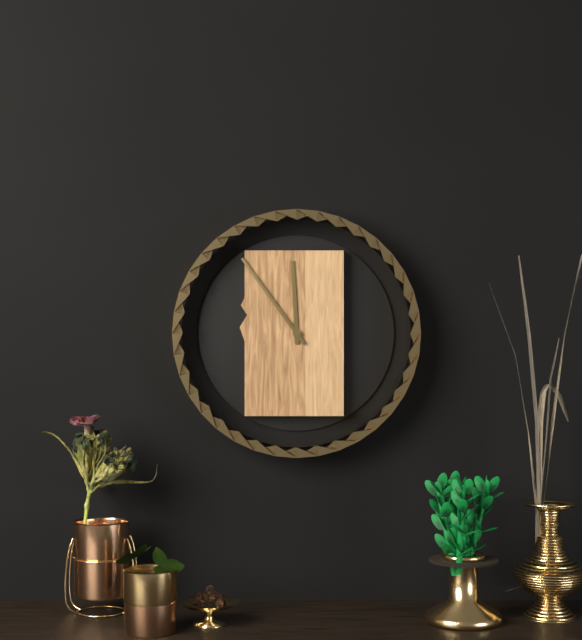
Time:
11.54
